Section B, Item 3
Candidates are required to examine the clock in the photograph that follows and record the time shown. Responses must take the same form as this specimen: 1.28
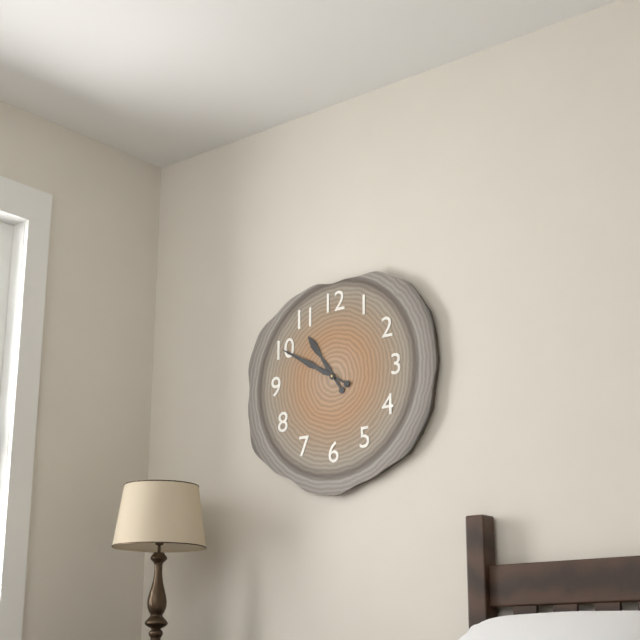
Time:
10.50
